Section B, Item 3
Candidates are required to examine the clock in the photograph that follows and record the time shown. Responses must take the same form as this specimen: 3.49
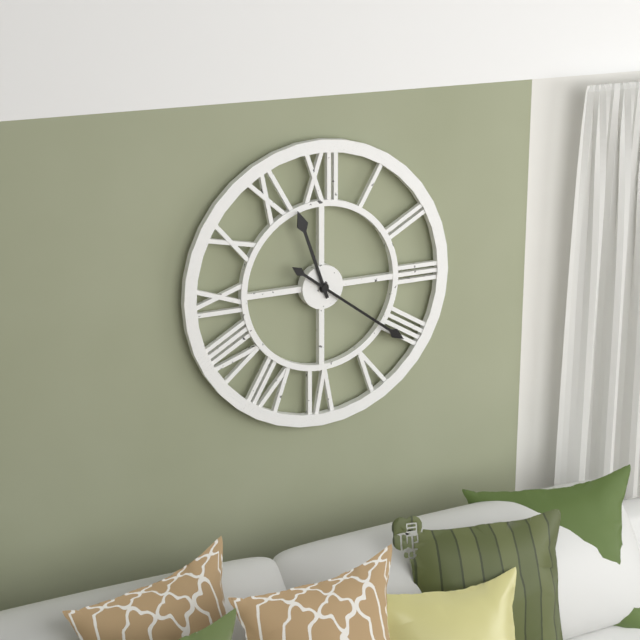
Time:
11.21
